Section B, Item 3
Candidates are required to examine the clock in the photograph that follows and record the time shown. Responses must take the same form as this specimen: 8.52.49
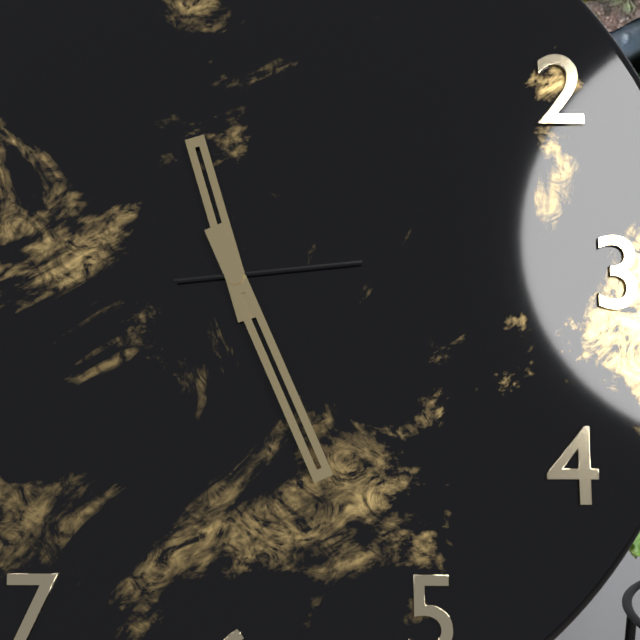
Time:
11.26.14
